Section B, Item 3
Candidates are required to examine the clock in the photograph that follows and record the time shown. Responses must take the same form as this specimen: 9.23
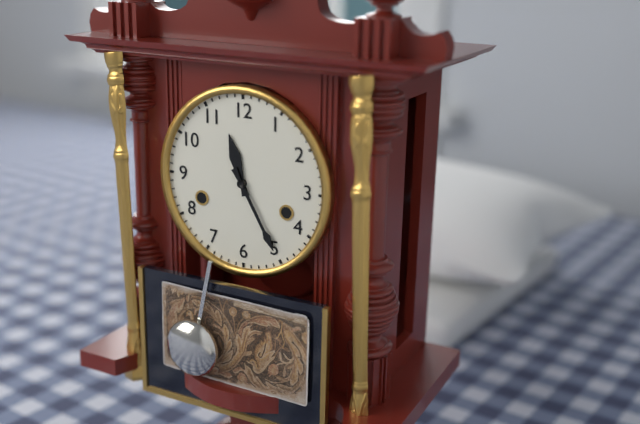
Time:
11.25
